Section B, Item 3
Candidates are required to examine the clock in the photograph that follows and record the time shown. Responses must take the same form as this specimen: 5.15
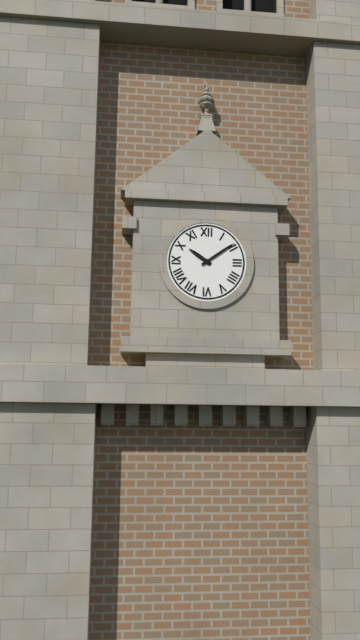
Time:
10.09
